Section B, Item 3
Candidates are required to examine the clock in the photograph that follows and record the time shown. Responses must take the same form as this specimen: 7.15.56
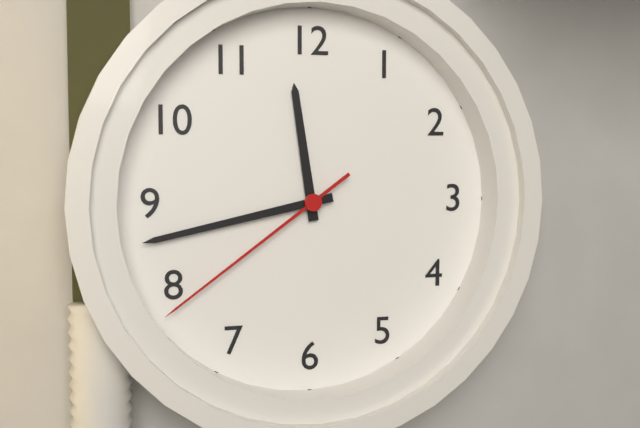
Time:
11.43.39
